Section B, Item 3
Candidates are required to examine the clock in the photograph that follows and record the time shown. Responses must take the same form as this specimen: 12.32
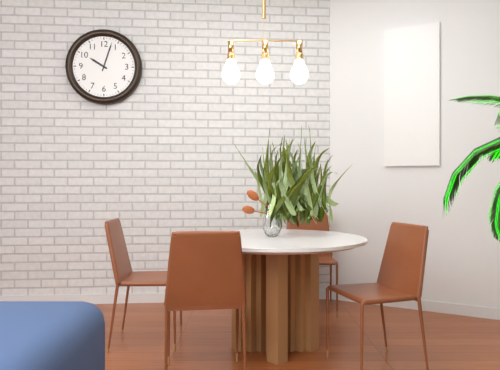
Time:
10.03
